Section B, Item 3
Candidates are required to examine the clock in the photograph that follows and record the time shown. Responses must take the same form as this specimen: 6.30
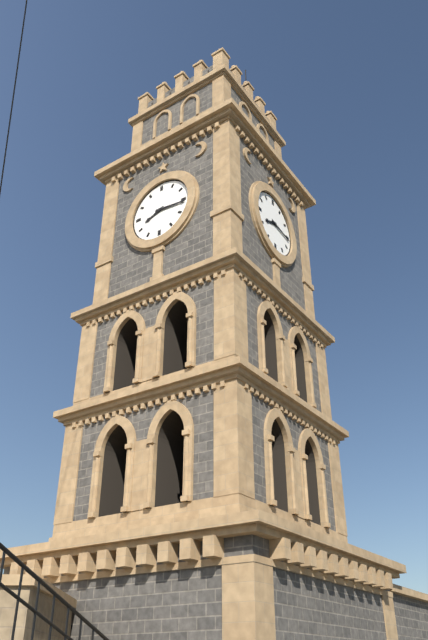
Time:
8.16
